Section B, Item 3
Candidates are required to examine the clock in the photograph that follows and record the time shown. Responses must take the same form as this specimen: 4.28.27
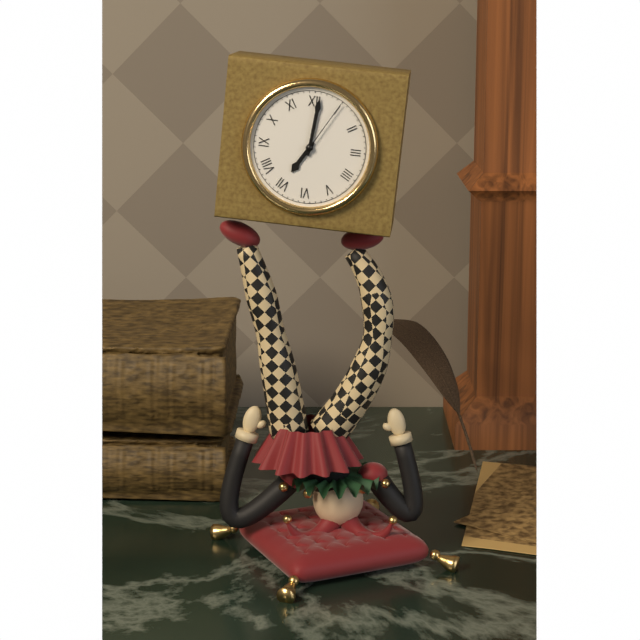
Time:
7.01.05
